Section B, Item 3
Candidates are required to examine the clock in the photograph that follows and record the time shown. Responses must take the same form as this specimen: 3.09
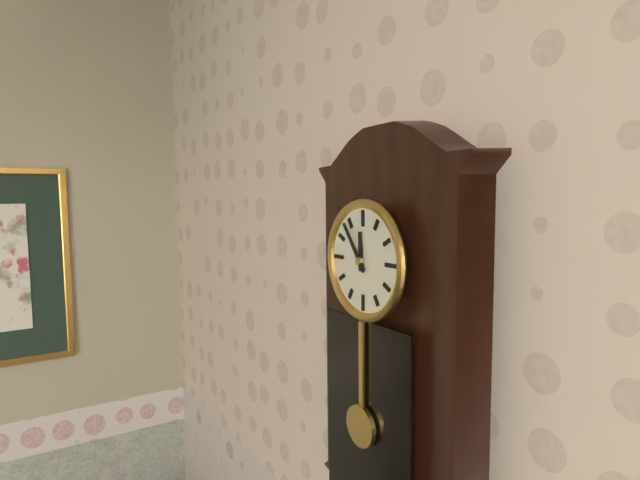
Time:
11.54
